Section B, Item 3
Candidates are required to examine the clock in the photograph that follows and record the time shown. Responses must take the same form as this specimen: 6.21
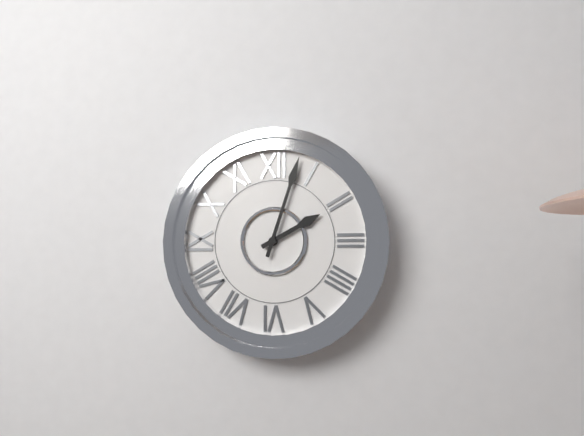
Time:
2.03
